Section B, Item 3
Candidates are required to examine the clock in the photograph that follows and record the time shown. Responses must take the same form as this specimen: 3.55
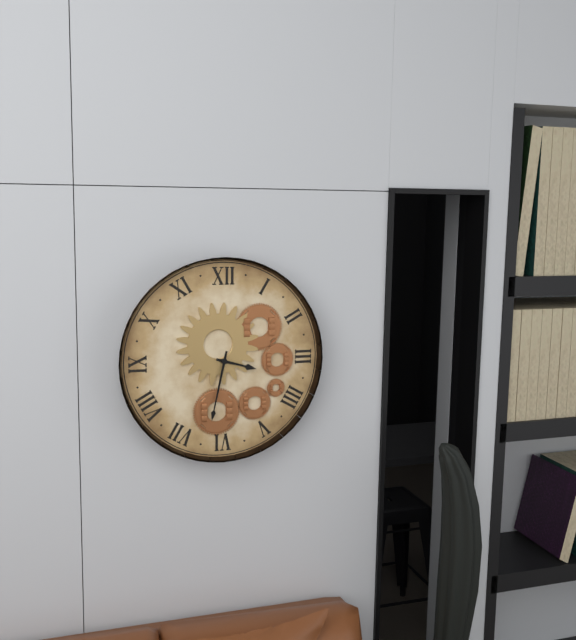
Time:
3.32
